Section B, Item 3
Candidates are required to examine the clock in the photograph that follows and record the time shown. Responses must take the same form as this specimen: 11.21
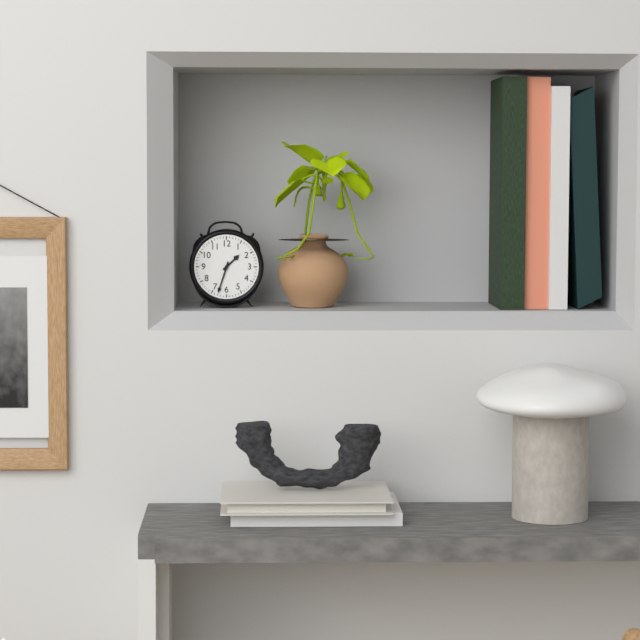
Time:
1.33
